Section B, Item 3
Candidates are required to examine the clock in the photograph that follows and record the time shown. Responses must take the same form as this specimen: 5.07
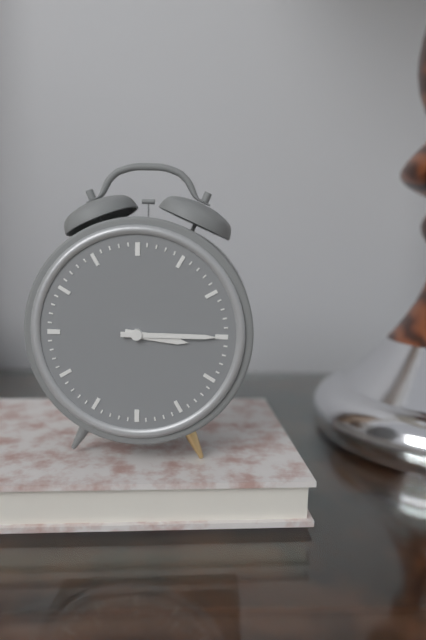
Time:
3.15
